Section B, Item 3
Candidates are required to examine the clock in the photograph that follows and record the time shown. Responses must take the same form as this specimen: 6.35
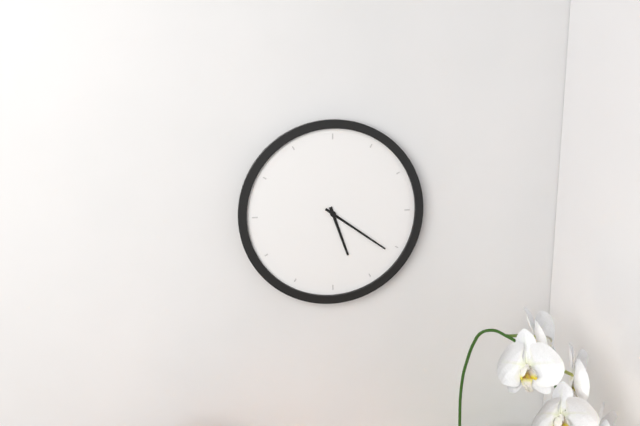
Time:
5.21
